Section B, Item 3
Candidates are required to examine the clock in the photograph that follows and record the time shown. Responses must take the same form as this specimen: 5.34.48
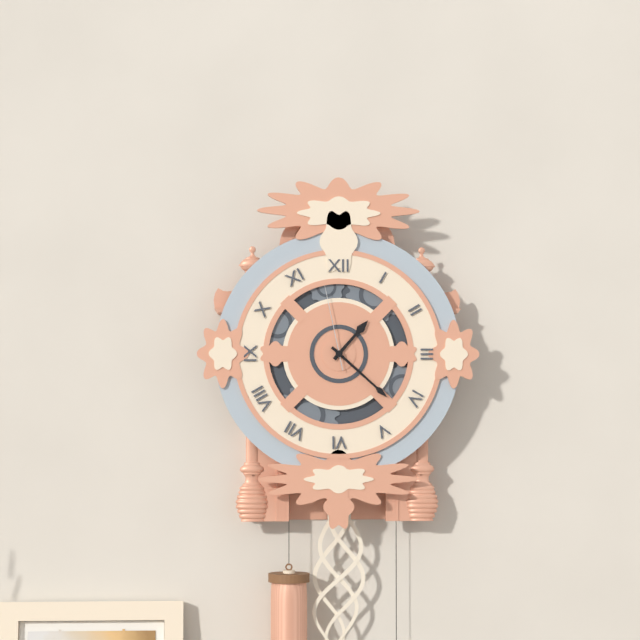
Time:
1.22.58
